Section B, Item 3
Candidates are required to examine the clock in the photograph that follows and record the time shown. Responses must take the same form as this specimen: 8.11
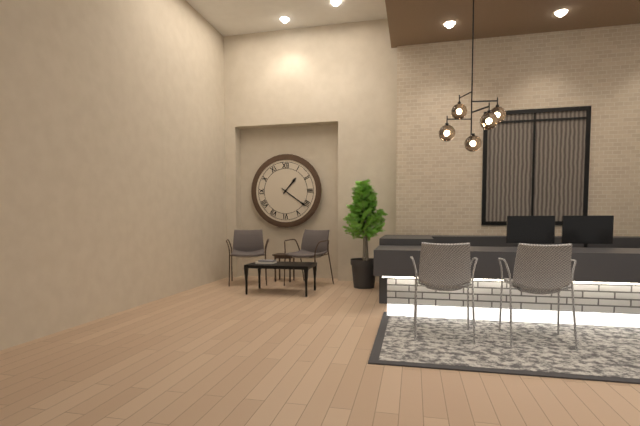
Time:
1.21
